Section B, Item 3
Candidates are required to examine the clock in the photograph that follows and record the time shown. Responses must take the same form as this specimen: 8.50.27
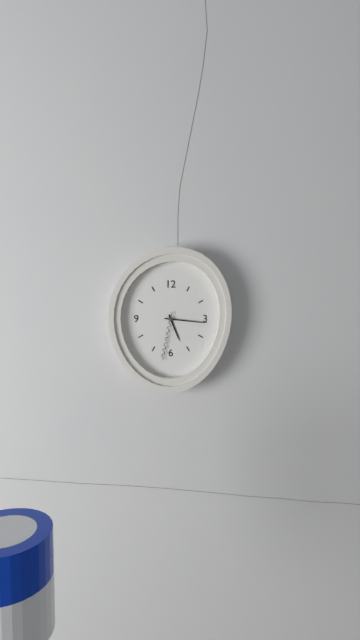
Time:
5.16.32
